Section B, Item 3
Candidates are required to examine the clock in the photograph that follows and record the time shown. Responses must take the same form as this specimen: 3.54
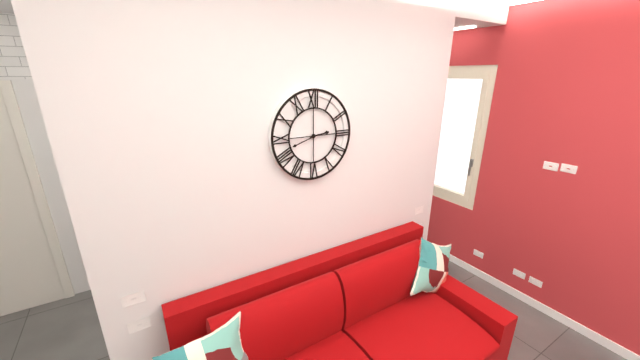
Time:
2.42
